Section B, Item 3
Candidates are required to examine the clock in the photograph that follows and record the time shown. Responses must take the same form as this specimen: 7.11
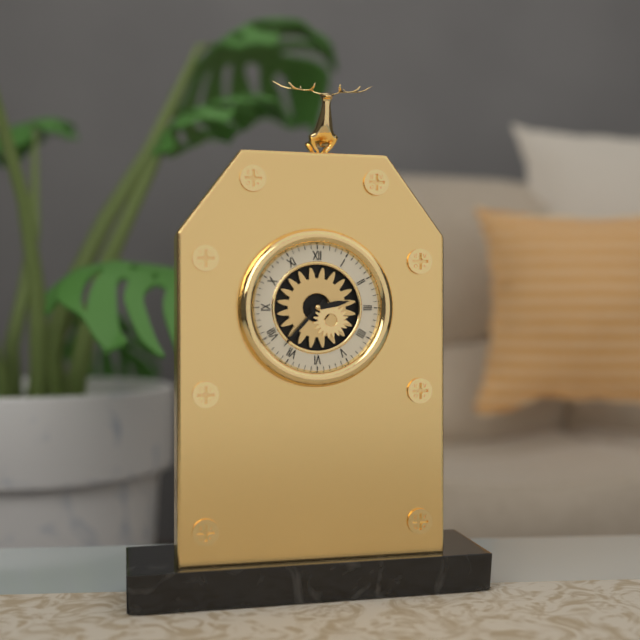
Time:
2.37
